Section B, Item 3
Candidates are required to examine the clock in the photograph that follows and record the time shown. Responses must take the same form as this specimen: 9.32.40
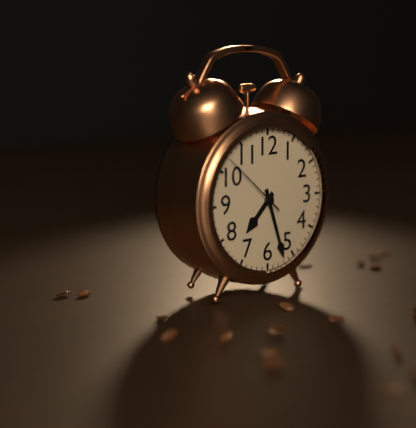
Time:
7.27.52
